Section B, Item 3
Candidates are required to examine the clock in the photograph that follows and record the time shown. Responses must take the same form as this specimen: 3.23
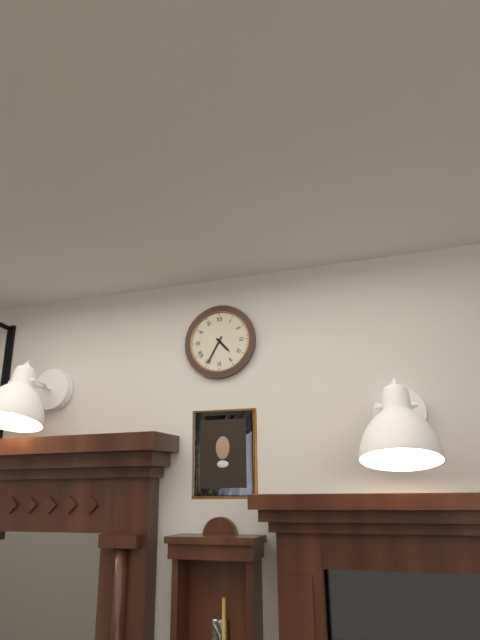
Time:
4.35
